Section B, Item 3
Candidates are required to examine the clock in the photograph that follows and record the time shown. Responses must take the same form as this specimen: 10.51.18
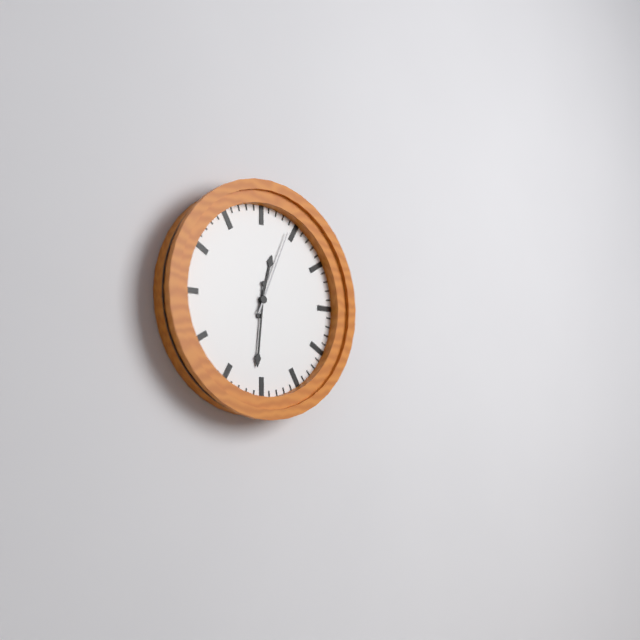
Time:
12.31.04
